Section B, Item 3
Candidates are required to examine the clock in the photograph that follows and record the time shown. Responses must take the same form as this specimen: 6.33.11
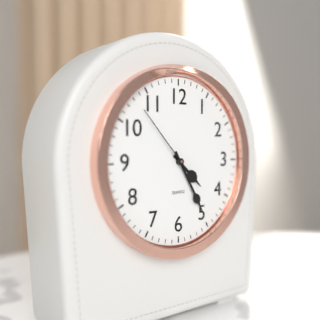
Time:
4.25.53
